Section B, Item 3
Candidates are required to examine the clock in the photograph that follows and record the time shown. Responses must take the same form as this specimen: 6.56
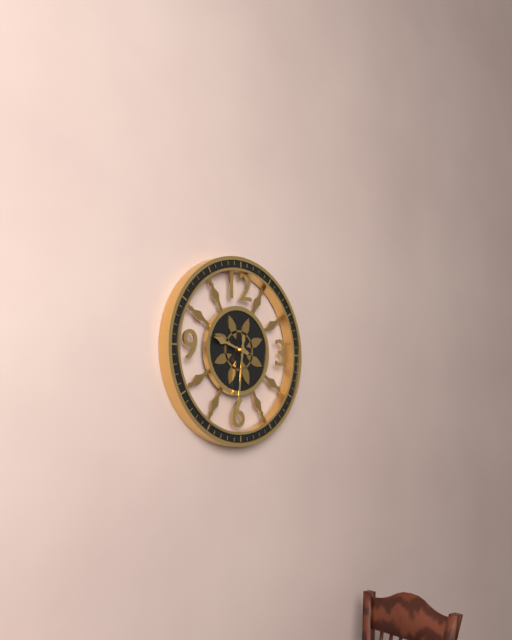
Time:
9.31
